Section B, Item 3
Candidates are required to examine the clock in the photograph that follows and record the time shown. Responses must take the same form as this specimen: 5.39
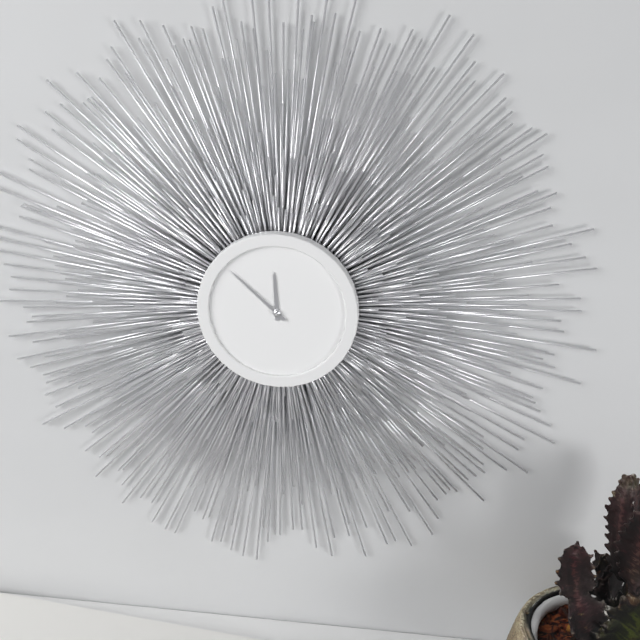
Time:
11.52
